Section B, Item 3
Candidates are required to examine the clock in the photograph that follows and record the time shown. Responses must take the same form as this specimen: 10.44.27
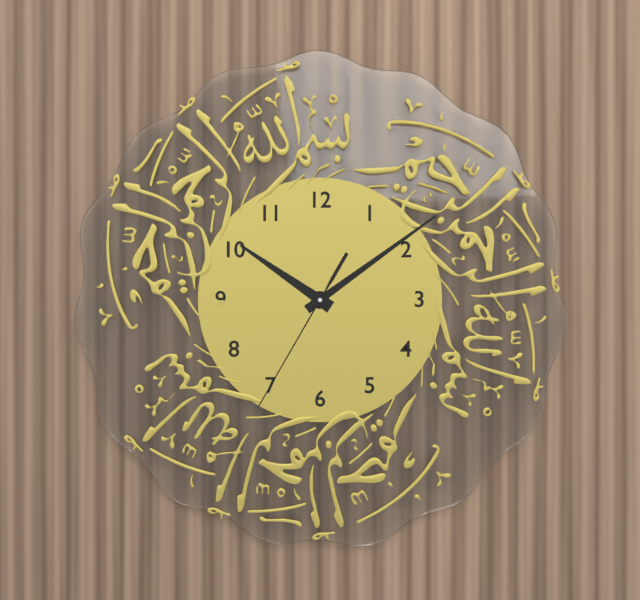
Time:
10.09.35
